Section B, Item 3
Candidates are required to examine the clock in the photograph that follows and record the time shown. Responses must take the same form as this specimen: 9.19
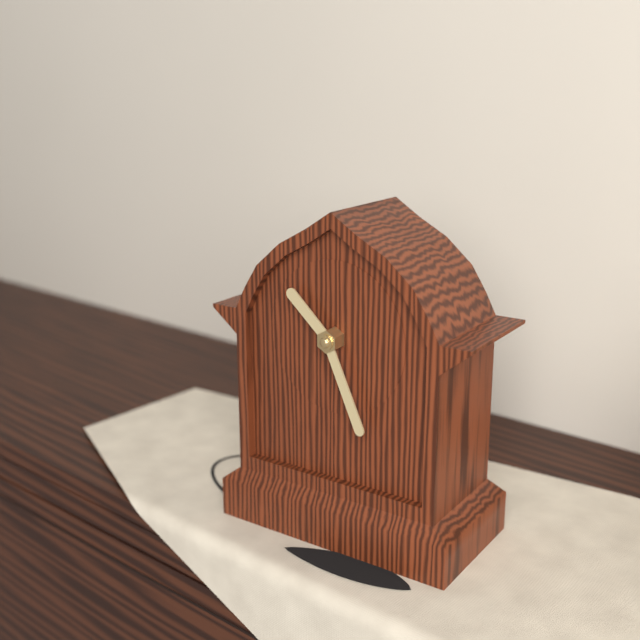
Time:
10.26
